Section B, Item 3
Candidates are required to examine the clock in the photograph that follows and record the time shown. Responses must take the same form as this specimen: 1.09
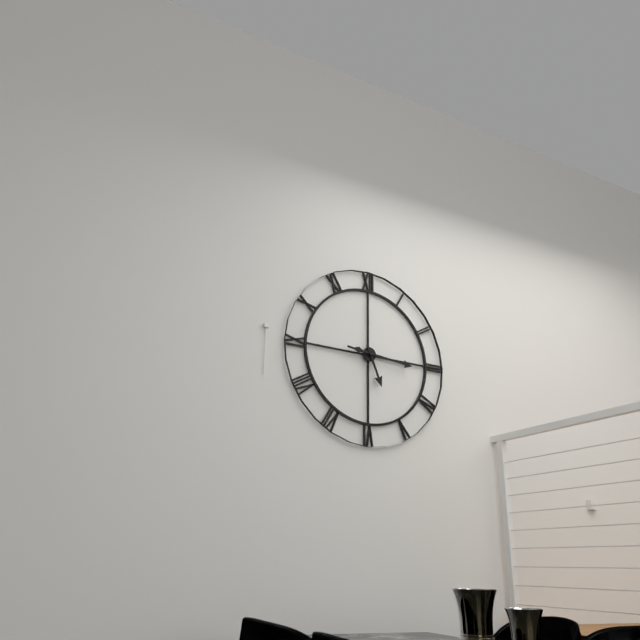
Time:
5.16
